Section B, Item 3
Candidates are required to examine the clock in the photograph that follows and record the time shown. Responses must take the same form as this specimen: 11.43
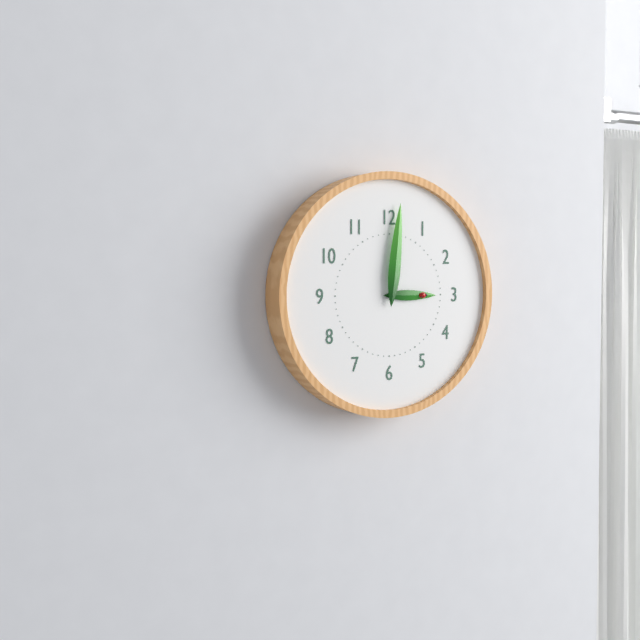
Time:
3.01
